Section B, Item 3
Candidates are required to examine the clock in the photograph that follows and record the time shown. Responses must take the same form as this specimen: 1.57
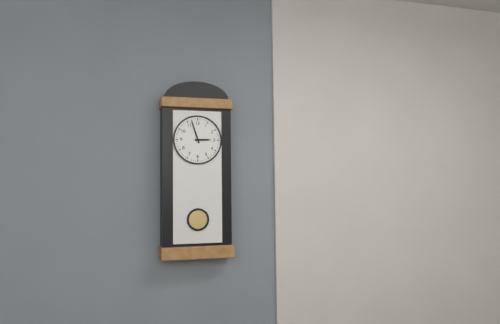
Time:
2.57
